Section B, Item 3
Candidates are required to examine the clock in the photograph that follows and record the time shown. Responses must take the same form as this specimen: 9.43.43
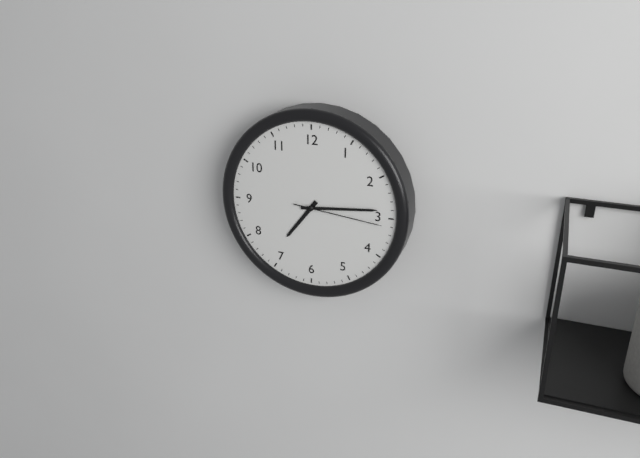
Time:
7.14.16
